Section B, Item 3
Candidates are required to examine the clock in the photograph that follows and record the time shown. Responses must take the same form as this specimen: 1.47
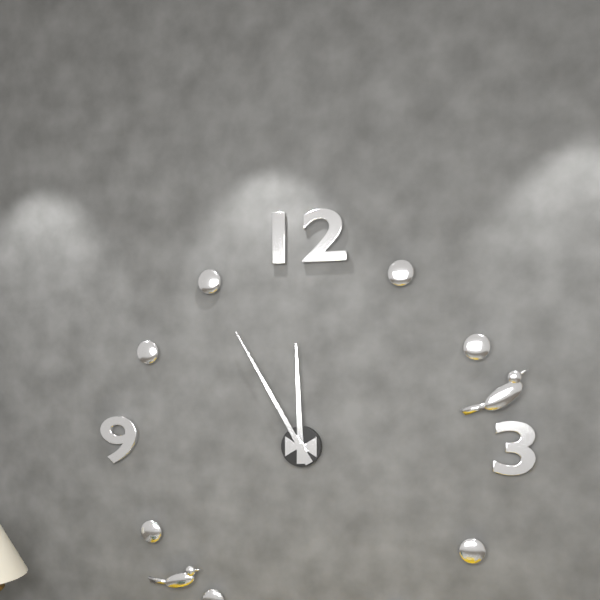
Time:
11.55
